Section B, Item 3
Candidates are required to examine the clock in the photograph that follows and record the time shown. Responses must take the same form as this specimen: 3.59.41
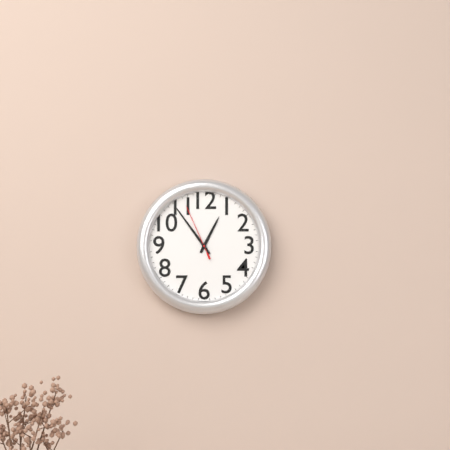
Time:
12.54.56
